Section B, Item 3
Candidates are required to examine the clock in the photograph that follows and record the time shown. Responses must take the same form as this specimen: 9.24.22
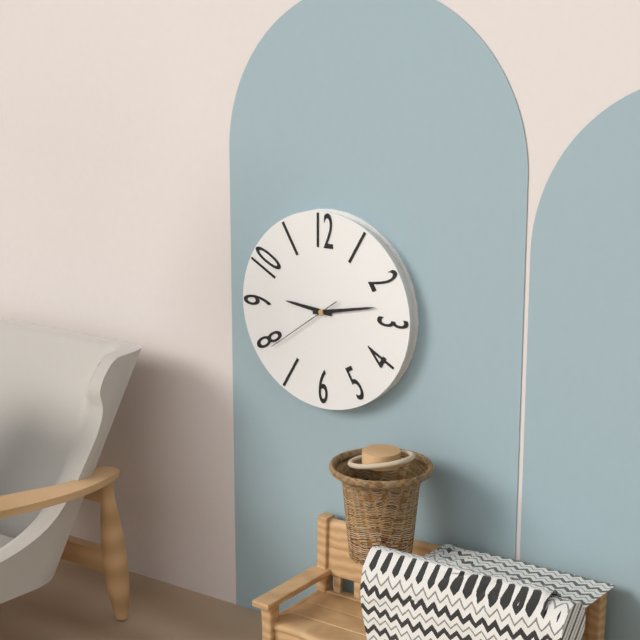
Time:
9.13.39
